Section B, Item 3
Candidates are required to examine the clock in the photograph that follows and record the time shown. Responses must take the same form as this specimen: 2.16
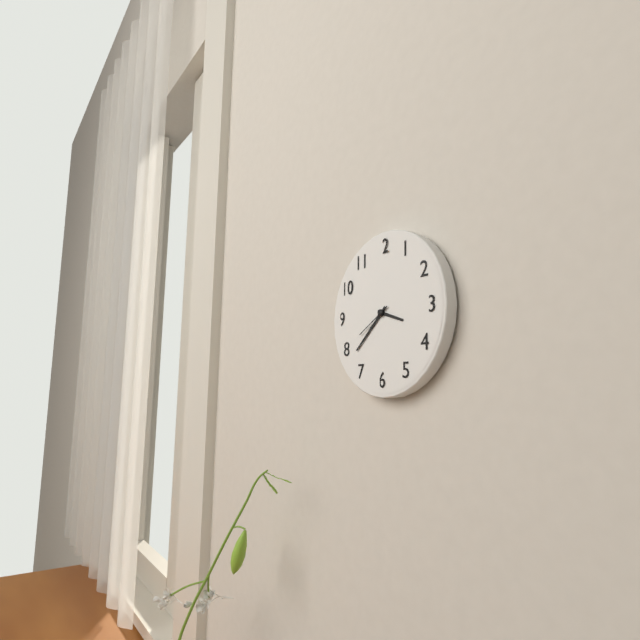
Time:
3.38
